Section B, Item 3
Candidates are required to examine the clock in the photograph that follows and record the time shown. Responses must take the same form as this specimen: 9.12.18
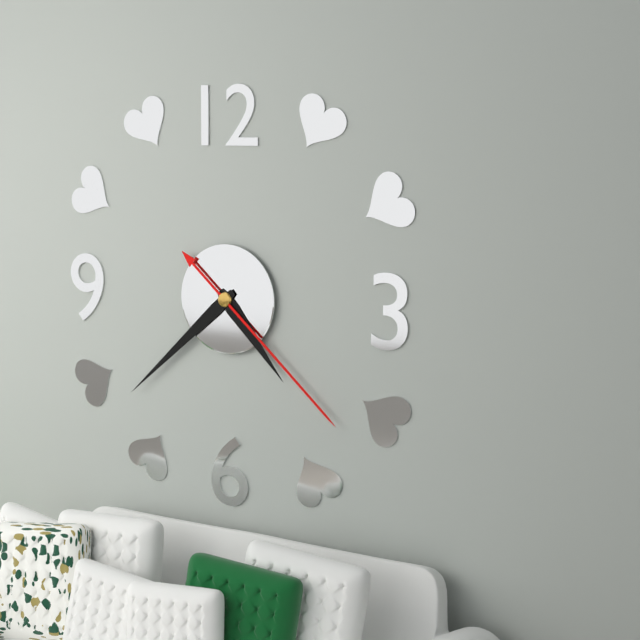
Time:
4.38.22
